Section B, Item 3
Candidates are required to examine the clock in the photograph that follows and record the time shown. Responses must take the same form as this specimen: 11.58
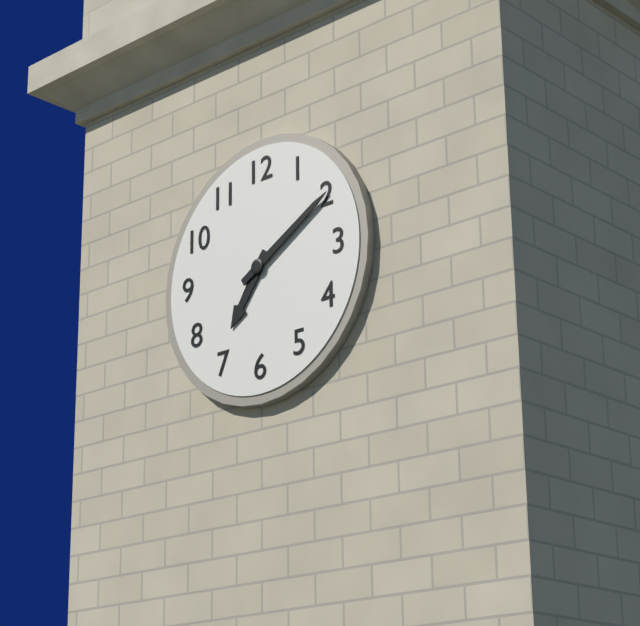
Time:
7.10
